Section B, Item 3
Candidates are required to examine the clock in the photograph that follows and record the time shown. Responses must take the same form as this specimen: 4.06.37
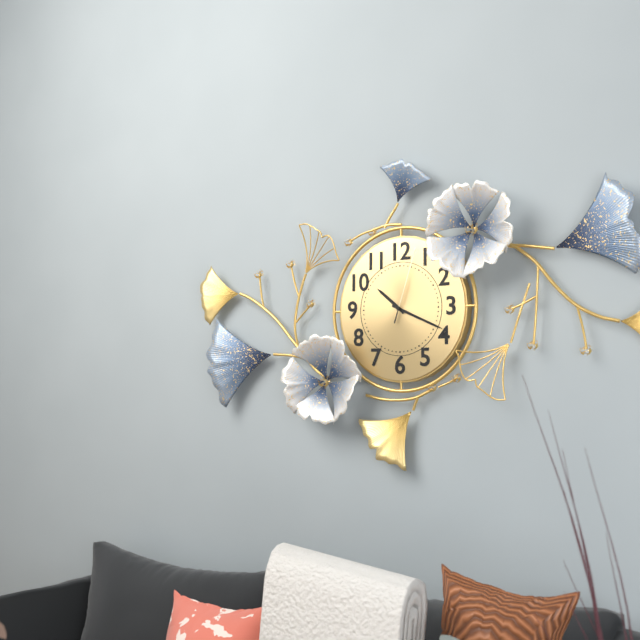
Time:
10.19.03
